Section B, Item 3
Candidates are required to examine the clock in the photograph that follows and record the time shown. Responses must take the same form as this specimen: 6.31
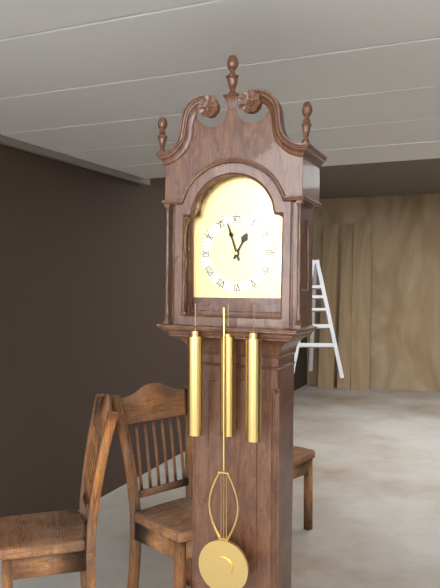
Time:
12.57
